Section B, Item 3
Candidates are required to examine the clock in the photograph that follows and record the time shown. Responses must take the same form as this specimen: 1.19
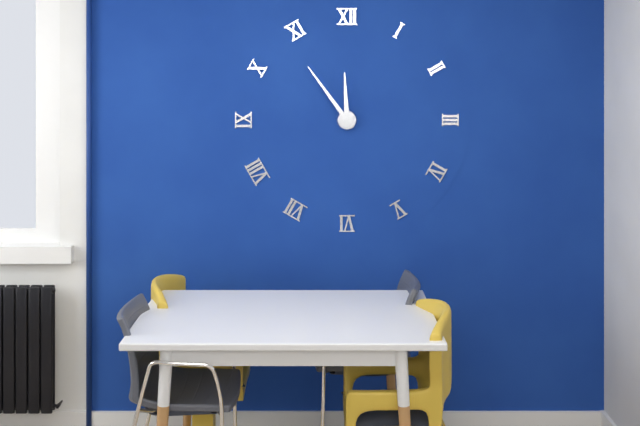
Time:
11.54
